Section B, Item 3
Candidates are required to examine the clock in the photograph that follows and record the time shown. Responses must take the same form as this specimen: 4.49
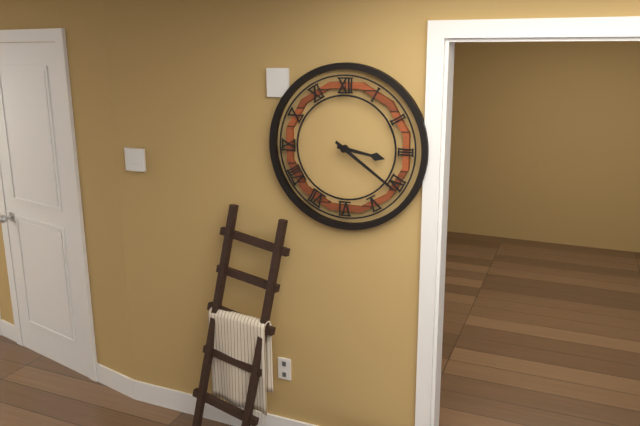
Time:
3.21
